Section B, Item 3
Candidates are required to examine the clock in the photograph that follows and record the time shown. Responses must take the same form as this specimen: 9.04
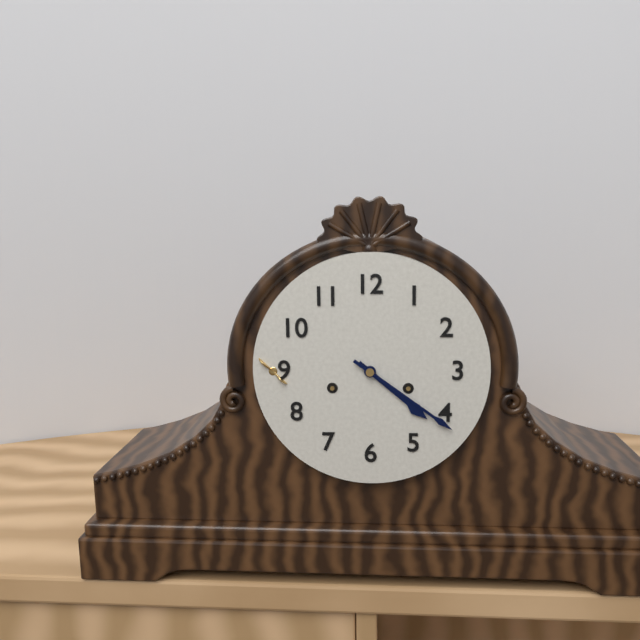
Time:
4.21
